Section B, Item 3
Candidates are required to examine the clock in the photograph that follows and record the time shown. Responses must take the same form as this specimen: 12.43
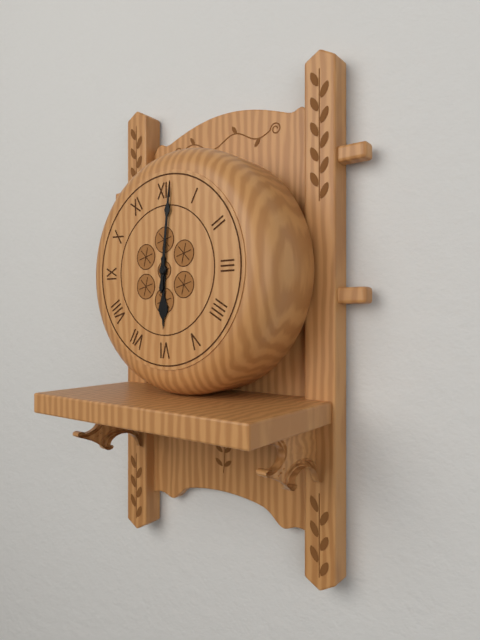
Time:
6.01
